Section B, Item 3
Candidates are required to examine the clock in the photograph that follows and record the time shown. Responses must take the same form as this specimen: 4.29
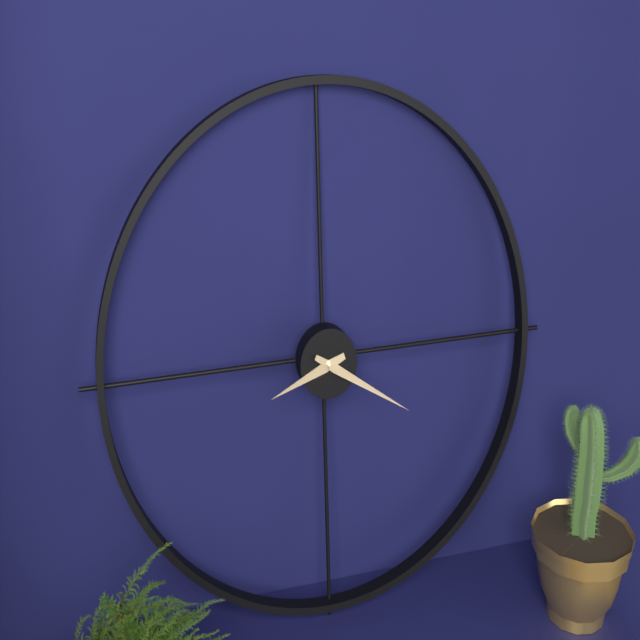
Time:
8.20
